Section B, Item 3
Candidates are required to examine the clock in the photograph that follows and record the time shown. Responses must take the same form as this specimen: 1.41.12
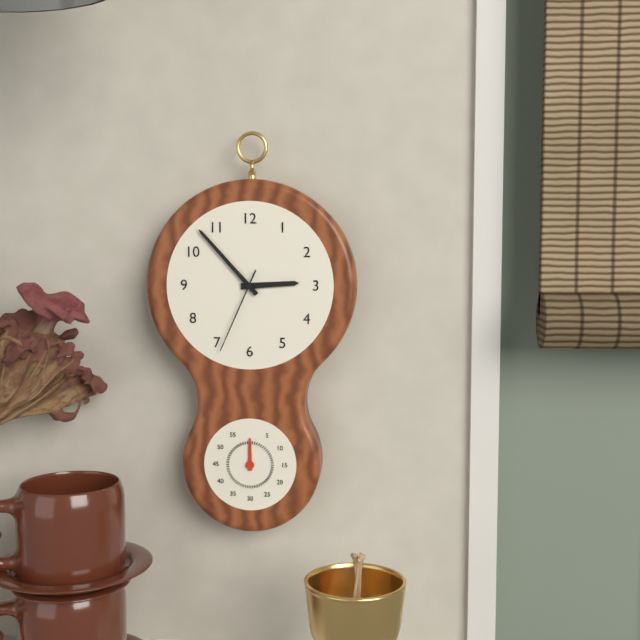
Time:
2.53.34
